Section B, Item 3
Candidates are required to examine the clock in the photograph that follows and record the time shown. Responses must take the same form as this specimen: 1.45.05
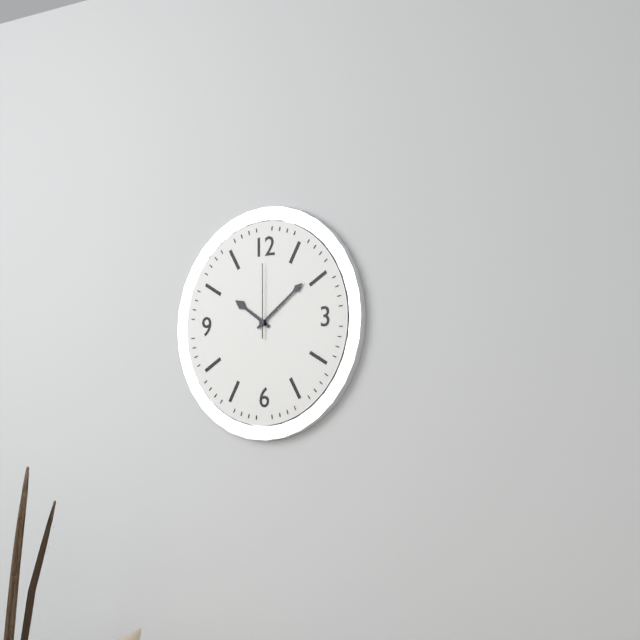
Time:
10.09.00
